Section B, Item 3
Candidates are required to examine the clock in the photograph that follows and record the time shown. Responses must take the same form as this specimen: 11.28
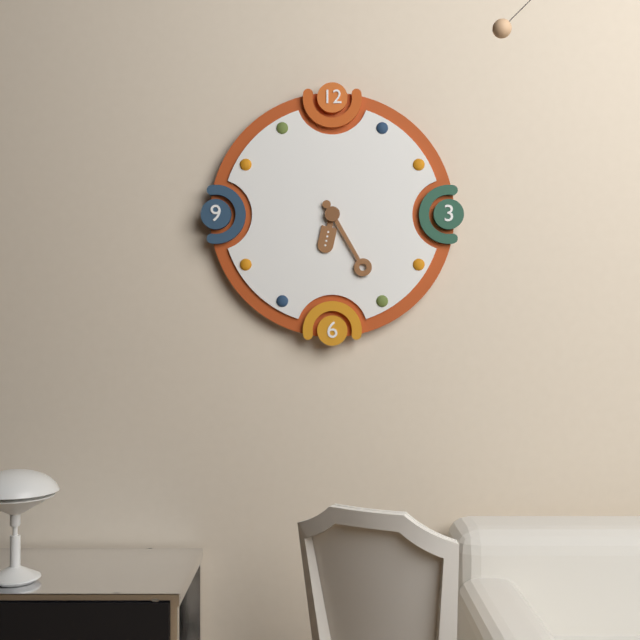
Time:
6.25
